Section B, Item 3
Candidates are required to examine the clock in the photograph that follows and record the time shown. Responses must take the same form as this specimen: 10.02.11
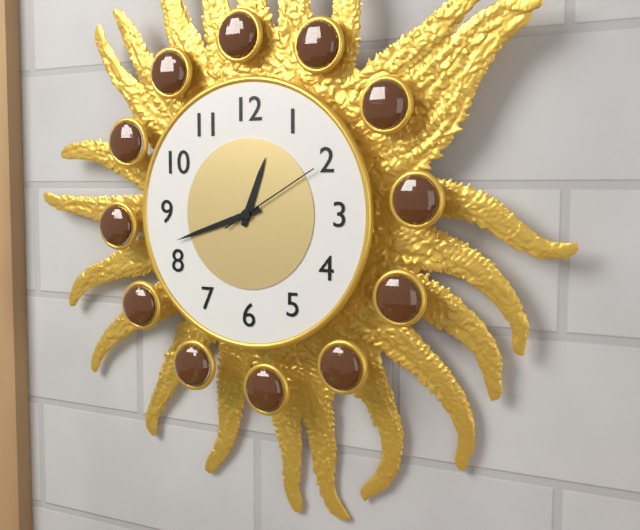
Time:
12.42.10
